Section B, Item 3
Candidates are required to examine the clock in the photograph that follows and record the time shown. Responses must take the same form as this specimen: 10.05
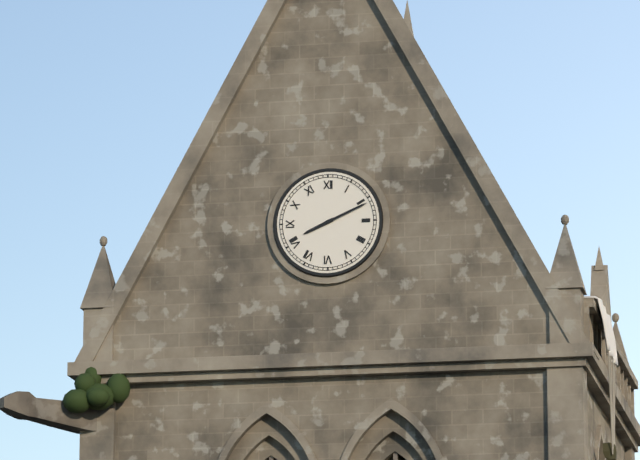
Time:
8.11
